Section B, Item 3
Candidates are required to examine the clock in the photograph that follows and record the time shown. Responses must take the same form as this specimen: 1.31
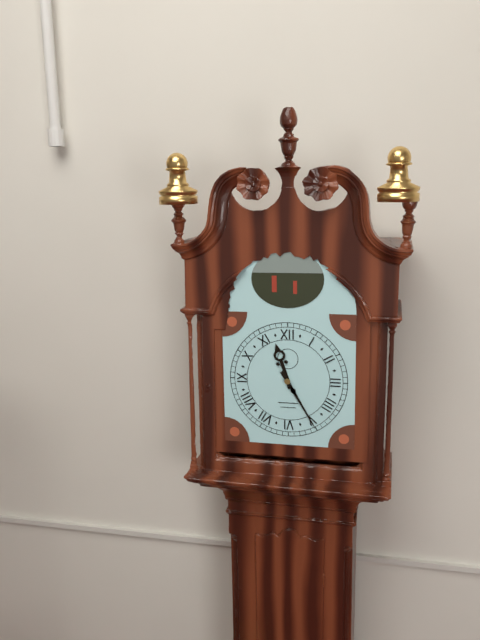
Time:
11.25
